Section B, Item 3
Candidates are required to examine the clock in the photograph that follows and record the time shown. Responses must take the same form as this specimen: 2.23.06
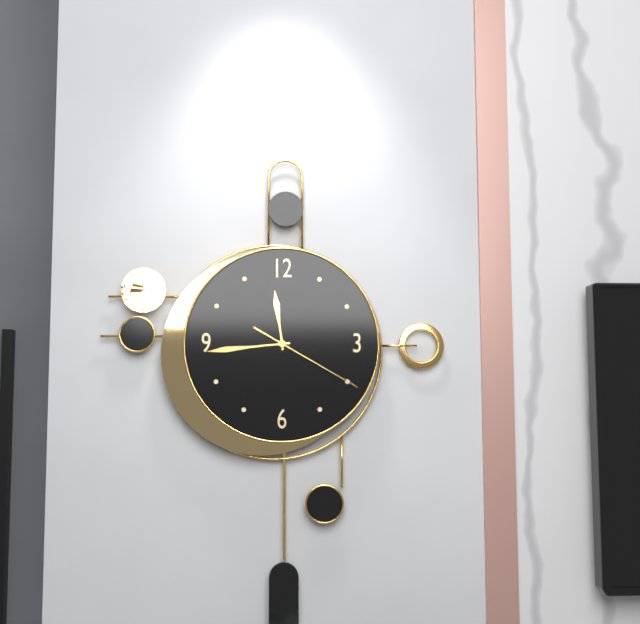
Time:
11.44.20
